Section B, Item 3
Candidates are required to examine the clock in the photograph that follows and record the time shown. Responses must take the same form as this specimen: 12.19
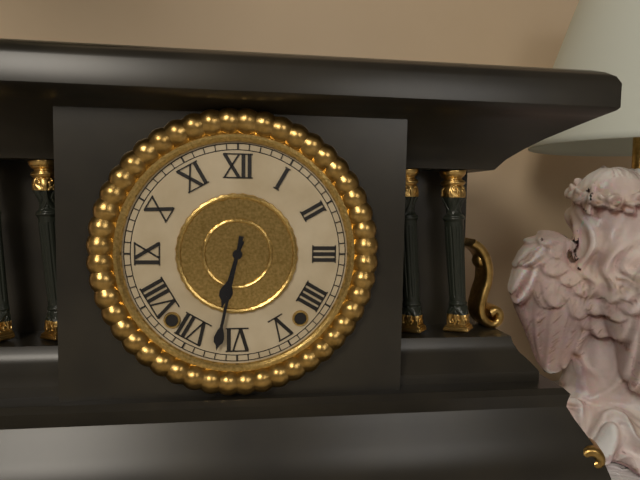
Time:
6.32
